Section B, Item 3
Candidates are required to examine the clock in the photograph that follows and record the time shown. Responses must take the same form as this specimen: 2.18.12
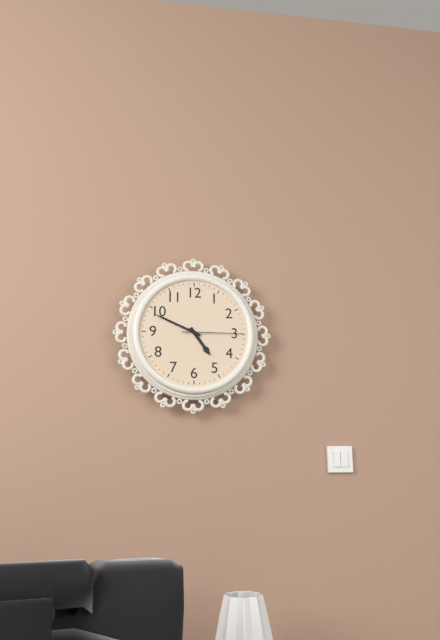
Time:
4.49.15
